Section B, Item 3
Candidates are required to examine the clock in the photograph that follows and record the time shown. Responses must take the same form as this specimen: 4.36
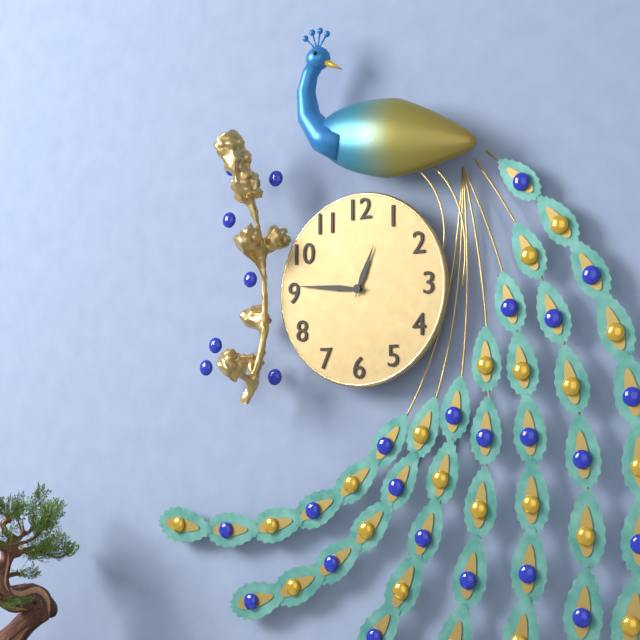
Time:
12.46
